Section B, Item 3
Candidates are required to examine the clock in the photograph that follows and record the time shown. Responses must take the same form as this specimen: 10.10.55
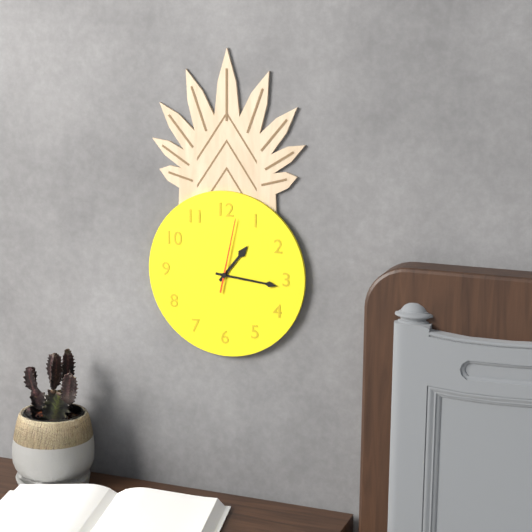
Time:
1.16.02
